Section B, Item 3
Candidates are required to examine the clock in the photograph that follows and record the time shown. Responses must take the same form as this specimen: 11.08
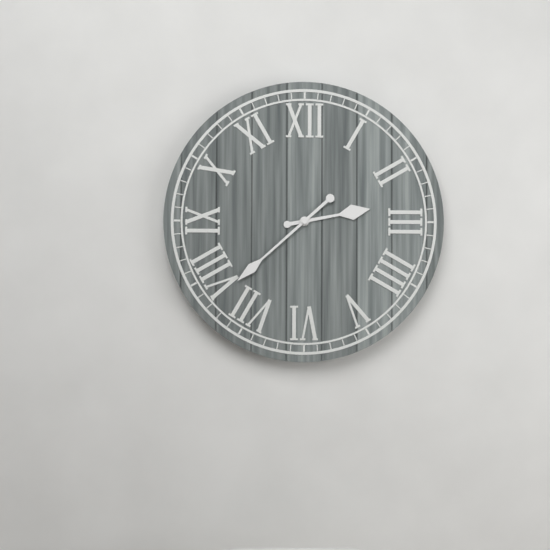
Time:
2.38
